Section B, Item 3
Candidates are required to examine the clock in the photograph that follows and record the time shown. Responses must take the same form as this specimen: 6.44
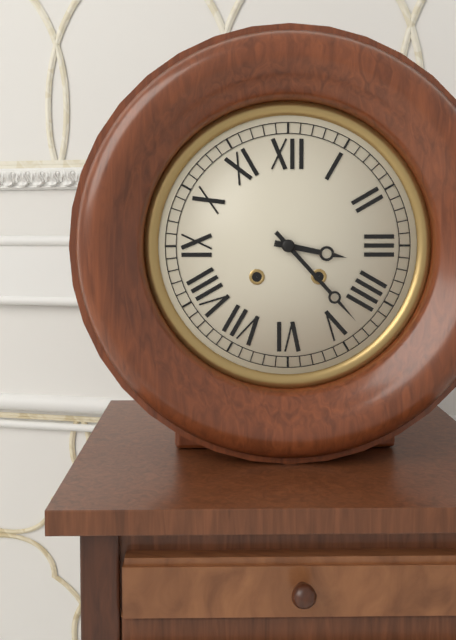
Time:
3.23
